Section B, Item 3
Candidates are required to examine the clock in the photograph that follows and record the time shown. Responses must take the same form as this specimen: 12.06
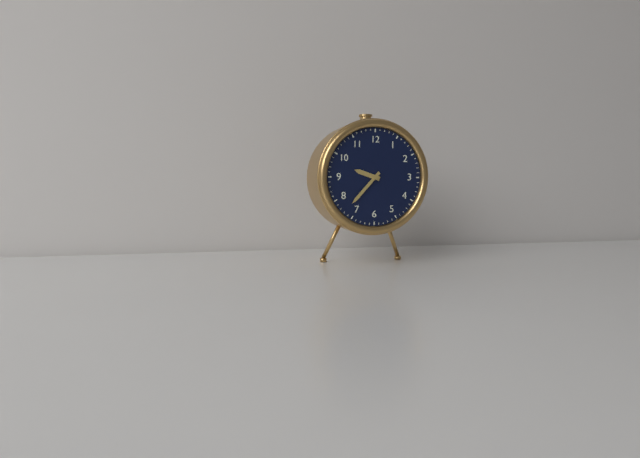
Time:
9.37
